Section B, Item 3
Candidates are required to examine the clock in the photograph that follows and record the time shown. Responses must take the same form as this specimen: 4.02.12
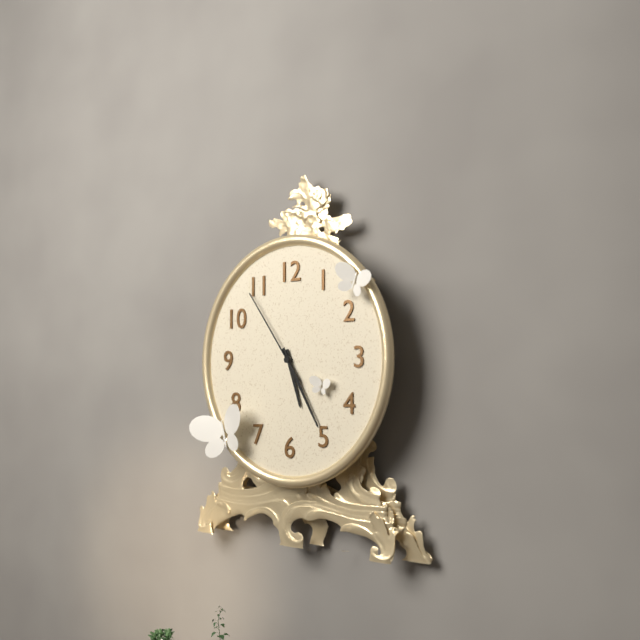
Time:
5.25.54
